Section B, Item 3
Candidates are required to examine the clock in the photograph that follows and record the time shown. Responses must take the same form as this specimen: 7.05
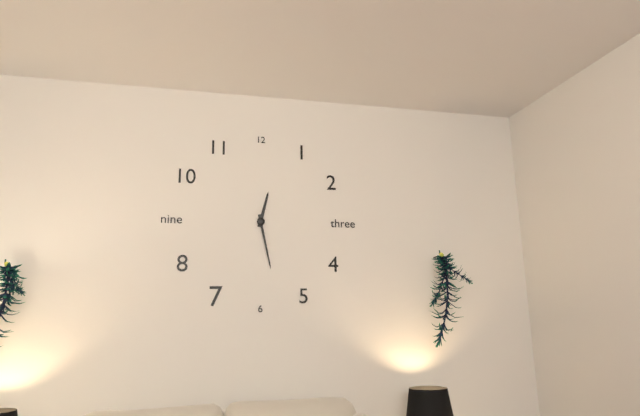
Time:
12.28
